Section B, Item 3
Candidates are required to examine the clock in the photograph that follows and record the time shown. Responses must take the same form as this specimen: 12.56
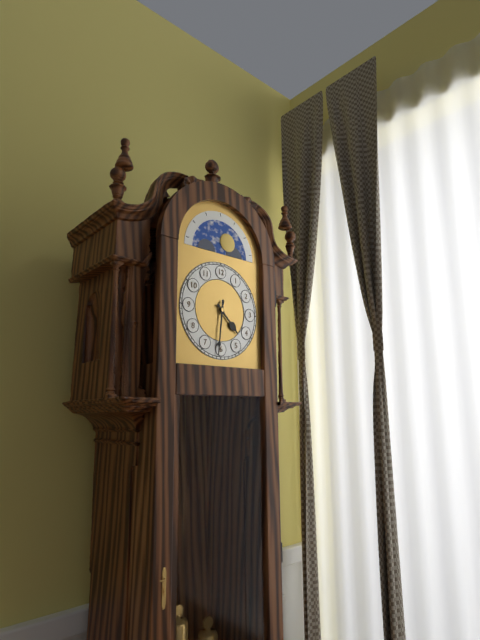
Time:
4.31
